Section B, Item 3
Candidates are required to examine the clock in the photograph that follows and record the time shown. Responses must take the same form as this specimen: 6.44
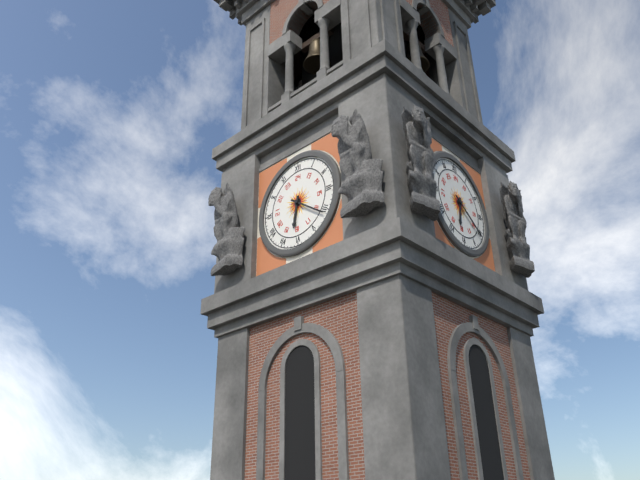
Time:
6.21
